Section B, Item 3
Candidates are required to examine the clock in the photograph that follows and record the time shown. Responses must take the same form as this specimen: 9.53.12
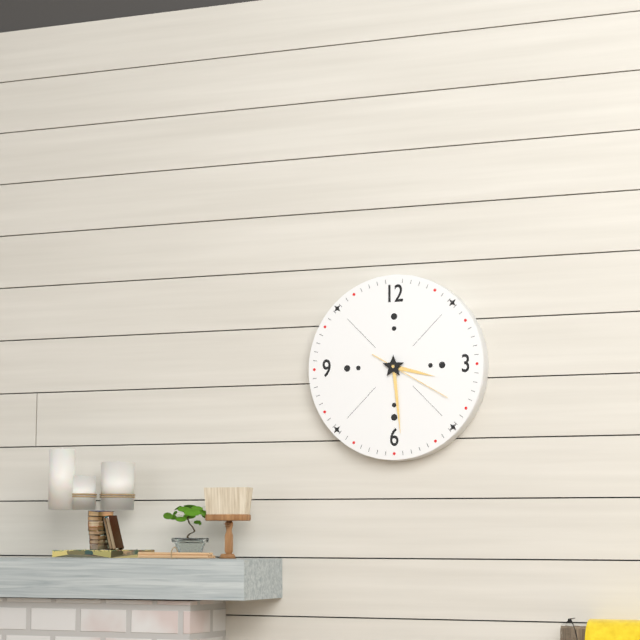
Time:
3.29.20
